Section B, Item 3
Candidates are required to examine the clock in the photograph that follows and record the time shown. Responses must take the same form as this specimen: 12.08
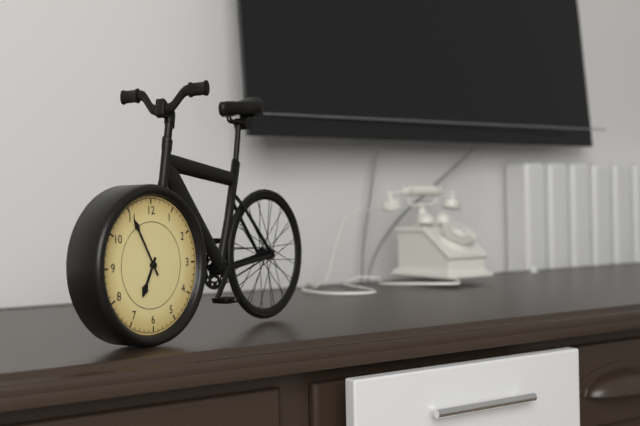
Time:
6.55
